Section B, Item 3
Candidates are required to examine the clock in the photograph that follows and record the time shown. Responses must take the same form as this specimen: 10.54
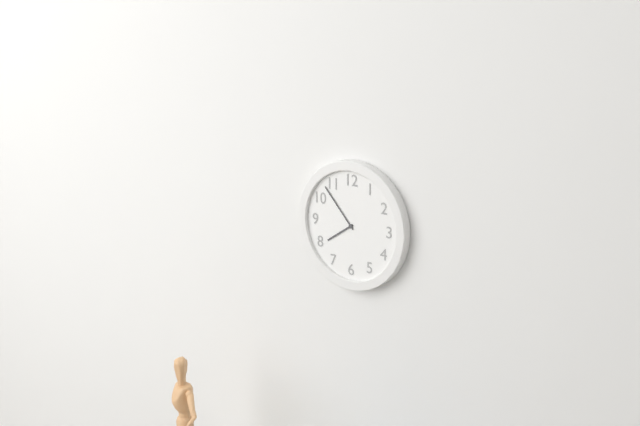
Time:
7.53
